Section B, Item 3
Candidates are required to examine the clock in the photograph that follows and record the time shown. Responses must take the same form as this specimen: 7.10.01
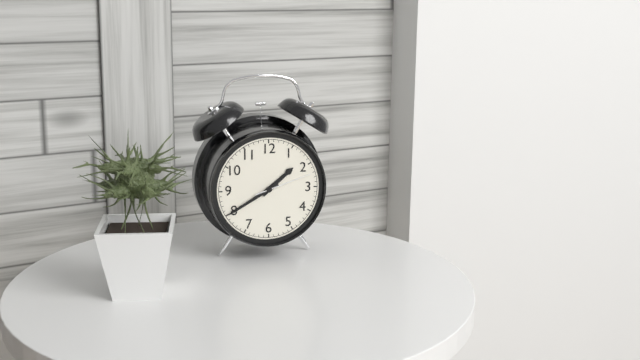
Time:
1.40.12
